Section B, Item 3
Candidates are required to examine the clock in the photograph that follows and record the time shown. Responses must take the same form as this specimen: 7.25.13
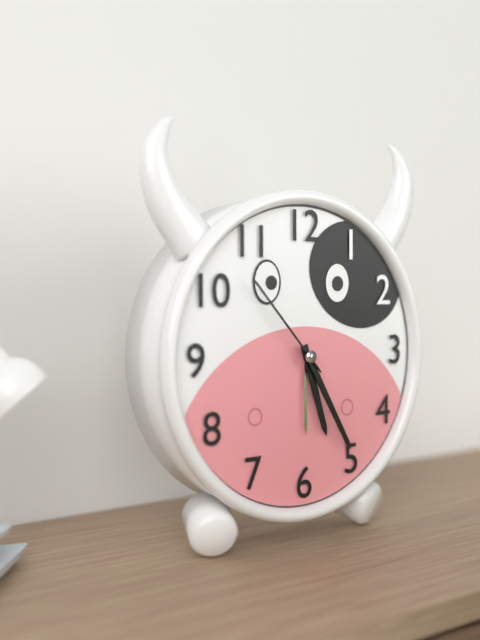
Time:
5.25.53
